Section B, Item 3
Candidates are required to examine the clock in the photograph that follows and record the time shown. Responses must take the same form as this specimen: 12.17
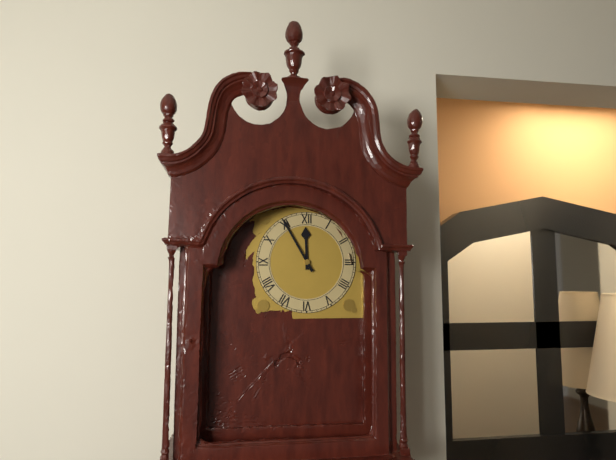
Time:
11.55
